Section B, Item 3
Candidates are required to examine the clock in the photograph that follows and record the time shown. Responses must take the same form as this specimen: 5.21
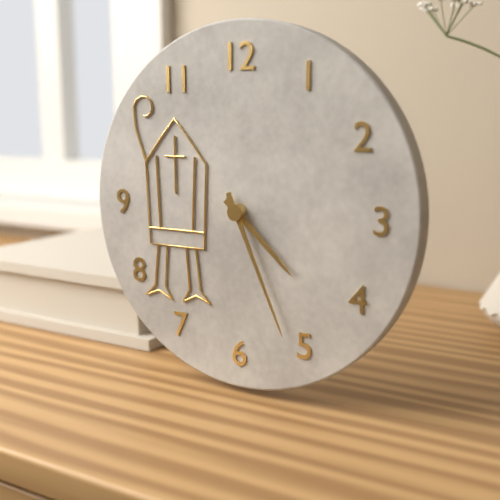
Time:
4.26
